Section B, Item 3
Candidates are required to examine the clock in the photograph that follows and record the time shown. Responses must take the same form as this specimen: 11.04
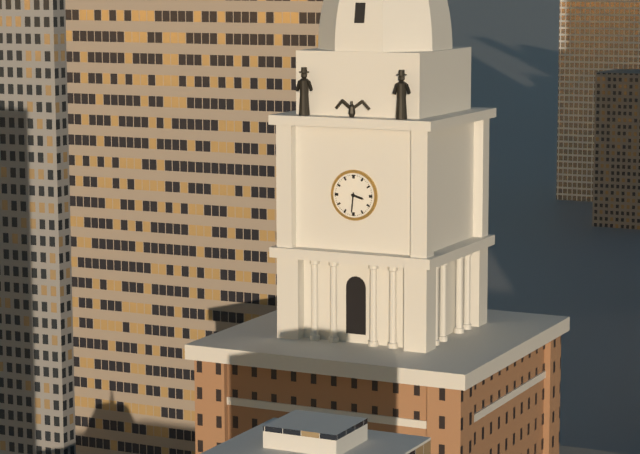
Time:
3.31
